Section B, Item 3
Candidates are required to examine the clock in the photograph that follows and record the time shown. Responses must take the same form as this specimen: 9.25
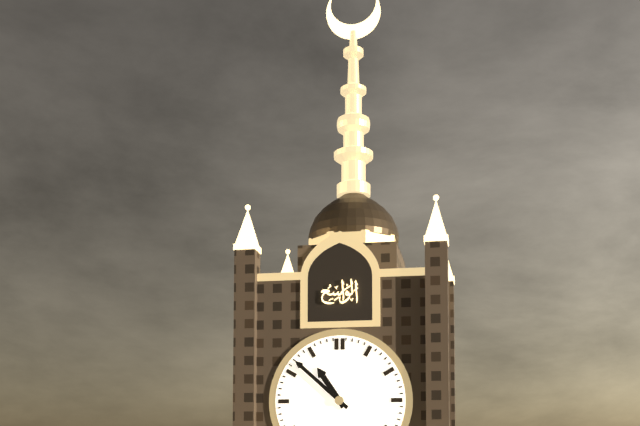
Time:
10.52
